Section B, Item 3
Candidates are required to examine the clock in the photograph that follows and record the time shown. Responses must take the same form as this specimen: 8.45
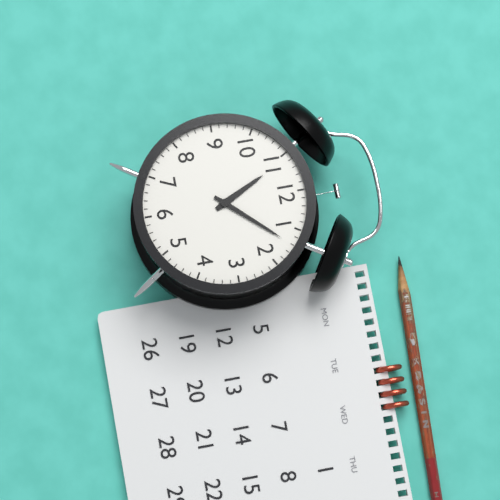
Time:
11.07
